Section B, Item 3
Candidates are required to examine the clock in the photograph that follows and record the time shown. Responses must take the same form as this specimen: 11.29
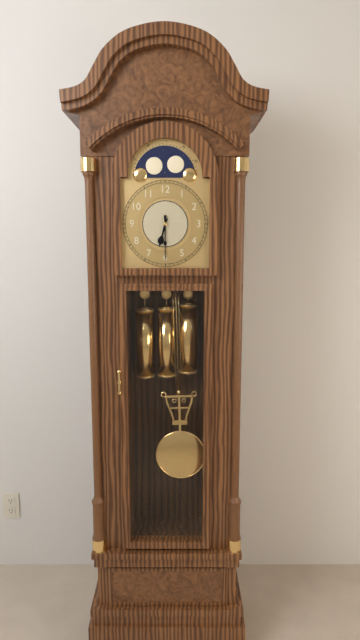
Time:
6.30
